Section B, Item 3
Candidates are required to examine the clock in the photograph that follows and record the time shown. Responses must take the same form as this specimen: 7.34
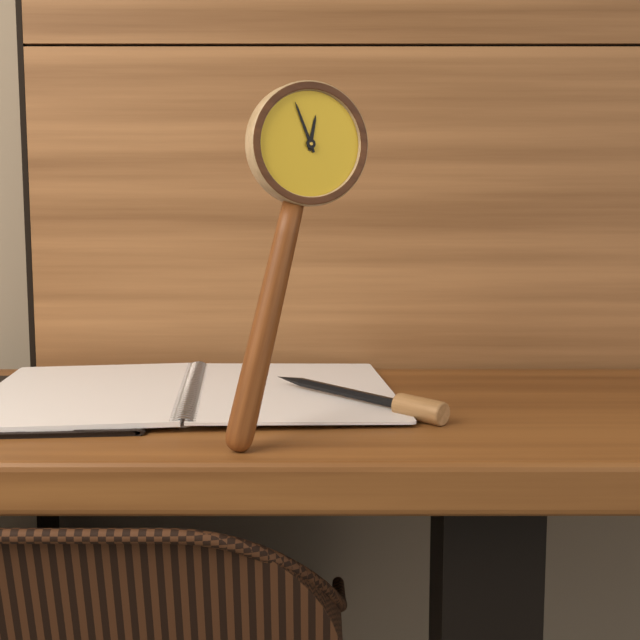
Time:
11.54
